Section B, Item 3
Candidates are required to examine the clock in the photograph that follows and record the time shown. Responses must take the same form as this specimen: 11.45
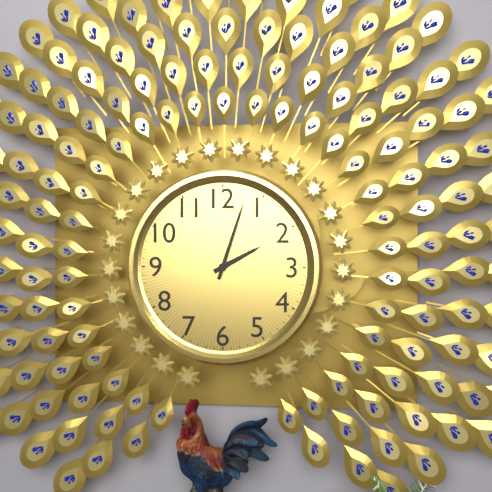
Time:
2.03
